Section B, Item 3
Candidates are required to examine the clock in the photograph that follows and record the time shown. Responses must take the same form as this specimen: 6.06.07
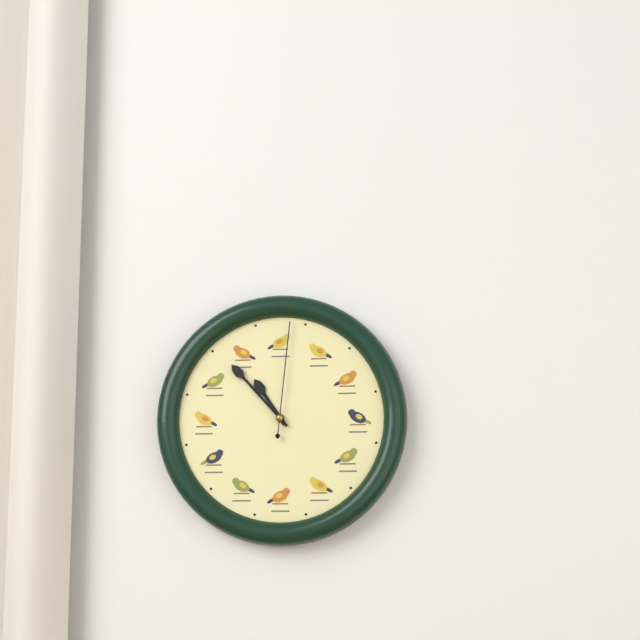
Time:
10.53.01
